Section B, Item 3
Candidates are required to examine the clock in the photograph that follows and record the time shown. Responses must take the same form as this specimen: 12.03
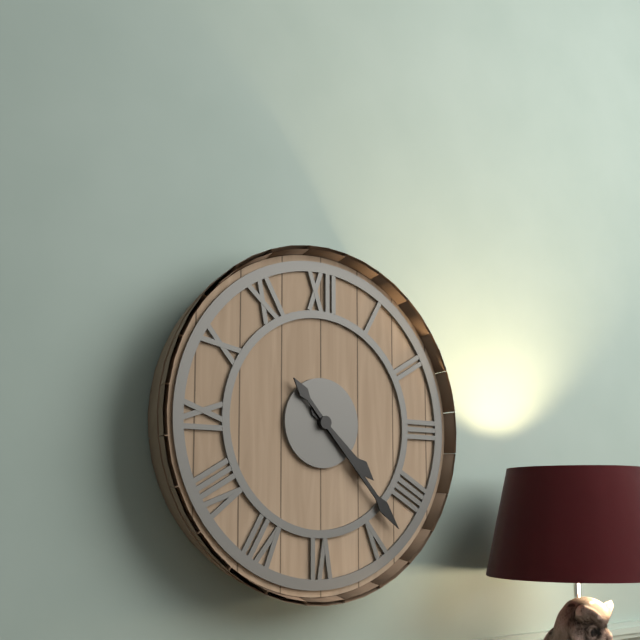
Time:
4.23
